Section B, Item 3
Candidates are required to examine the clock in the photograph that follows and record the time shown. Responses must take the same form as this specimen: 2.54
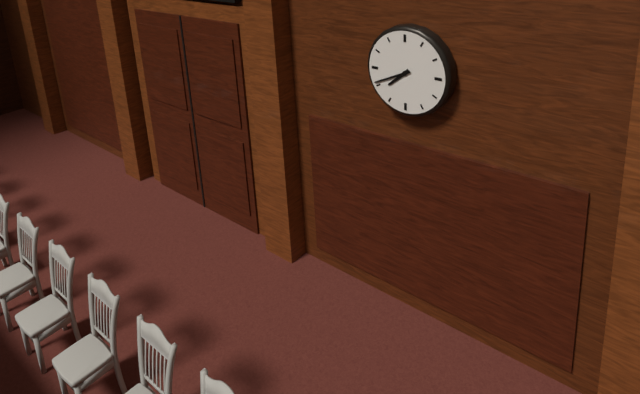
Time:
7.41
